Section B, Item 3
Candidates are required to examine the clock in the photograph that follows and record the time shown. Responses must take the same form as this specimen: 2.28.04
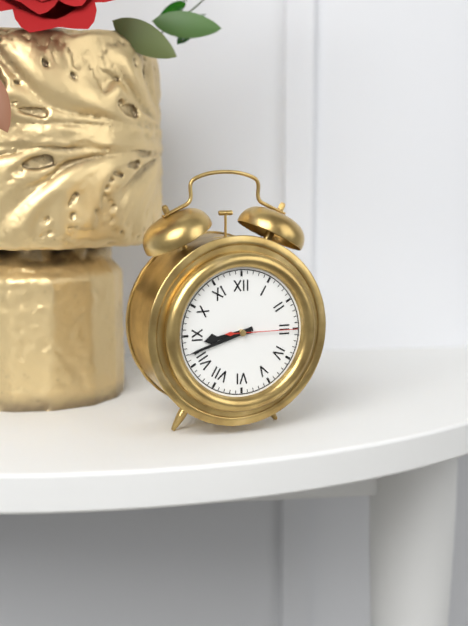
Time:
8.42.15
